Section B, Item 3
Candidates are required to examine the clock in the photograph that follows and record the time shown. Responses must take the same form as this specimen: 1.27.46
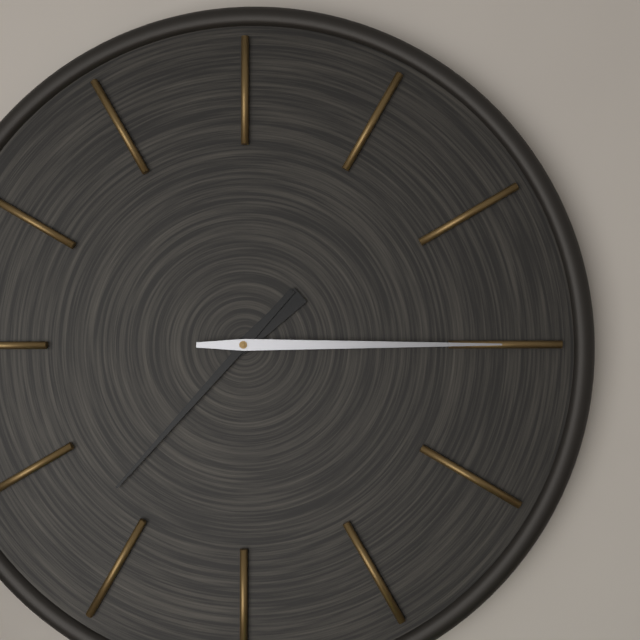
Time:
1.37.15
